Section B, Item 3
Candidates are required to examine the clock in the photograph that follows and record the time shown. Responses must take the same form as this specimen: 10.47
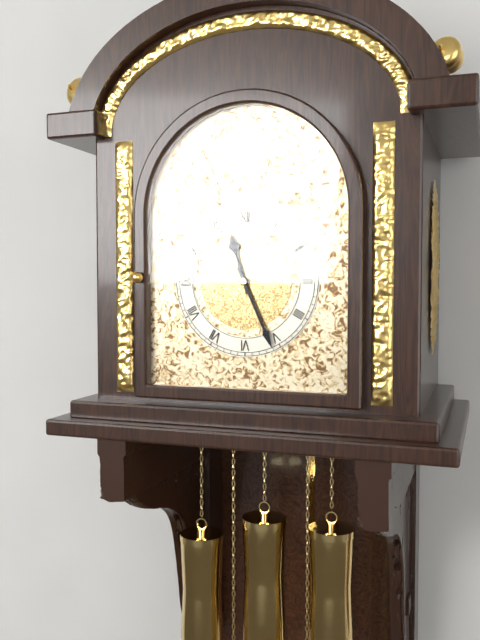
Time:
11.26
